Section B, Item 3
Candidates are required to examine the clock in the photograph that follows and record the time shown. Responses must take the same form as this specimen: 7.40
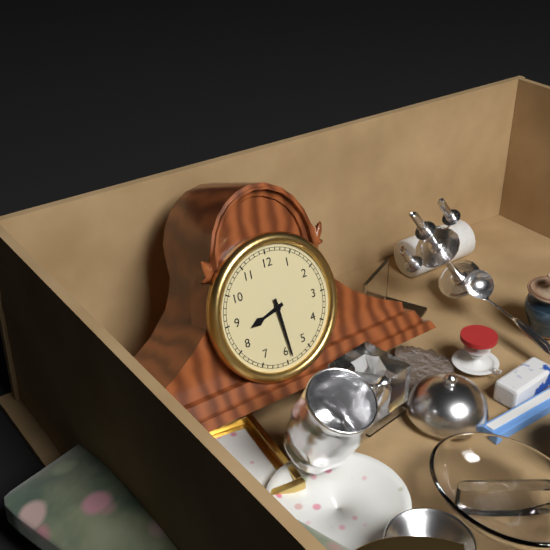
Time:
8.29
